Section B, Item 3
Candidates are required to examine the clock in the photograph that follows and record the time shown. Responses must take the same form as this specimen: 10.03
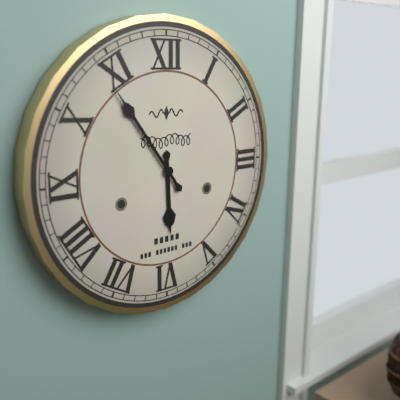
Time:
5.54
